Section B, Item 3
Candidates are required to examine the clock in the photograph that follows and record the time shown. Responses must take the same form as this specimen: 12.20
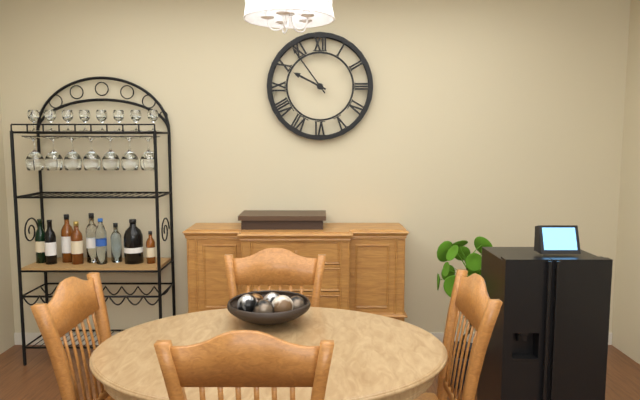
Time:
9.54
